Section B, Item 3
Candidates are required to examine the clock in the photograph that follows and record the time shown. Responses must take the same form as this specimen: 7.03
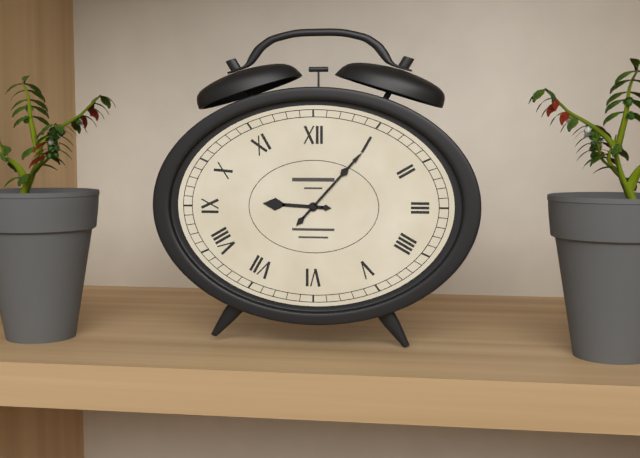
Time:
9.07
